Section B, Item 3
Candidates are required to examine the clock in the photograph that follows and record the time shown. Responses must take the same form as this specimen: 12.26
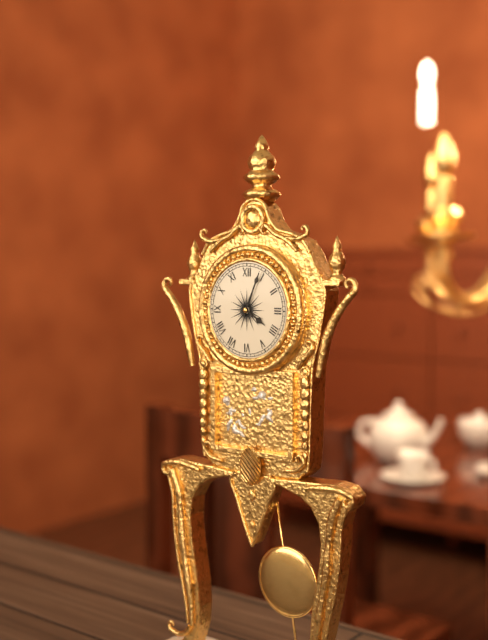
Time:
4.04
